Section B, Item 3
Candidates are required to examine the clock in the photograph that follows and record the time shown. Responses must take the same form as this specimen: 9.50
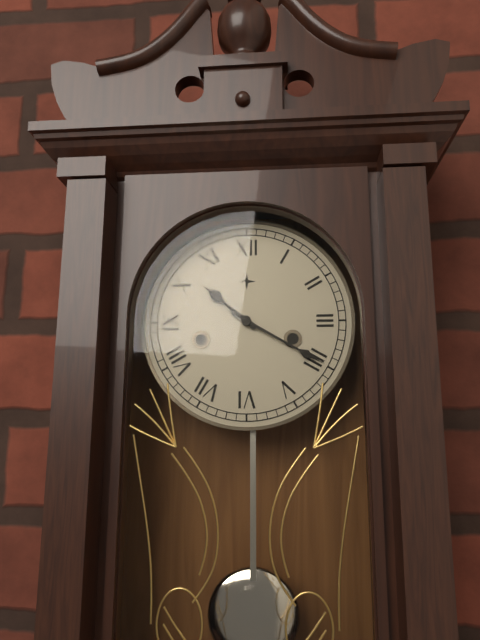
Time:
10.20
